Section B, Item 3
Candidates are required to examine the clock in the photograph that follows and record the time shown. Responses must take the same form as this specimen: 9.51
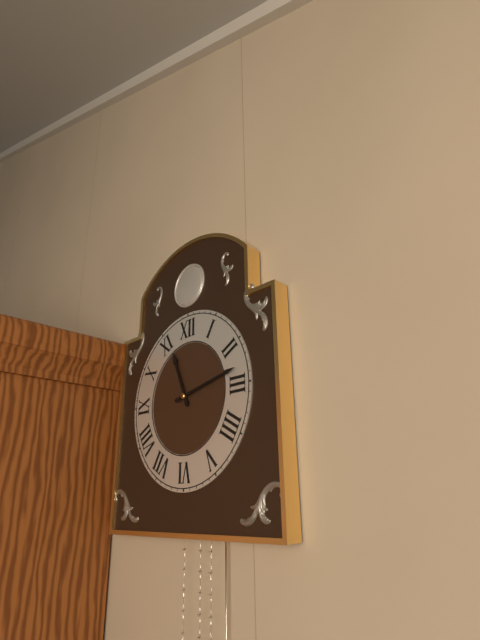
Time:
11.13
